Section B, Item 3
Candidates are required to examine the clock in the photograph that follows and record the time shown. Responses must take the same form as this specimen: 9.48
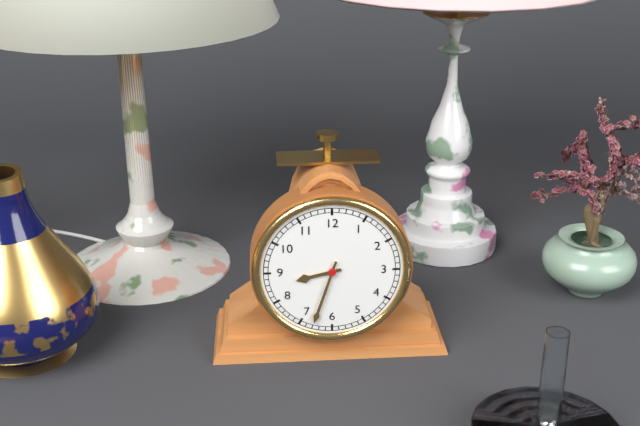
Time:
8.33
